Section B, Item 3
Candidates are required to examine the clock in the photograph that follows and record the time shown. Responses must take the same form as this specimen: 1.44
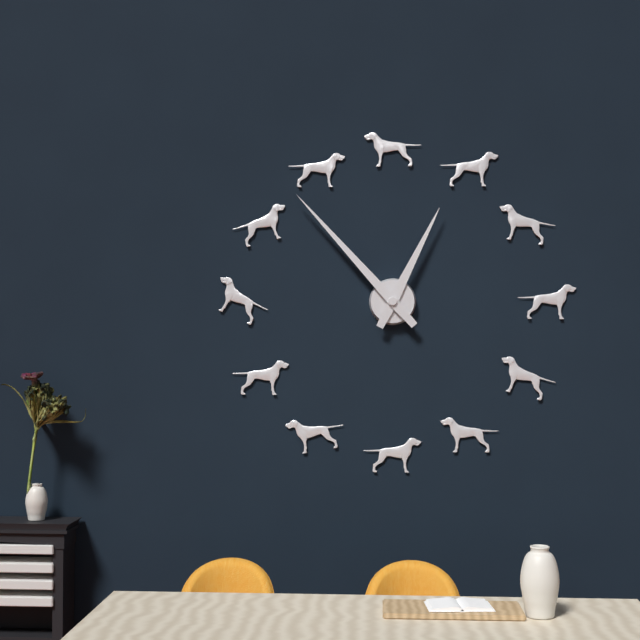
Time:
12.53
